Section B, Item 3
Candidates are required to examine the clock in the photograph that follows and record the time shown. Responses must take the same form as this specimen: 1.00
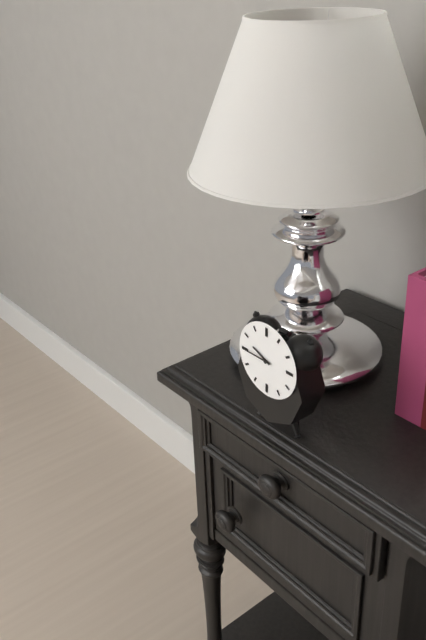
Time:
9.45
